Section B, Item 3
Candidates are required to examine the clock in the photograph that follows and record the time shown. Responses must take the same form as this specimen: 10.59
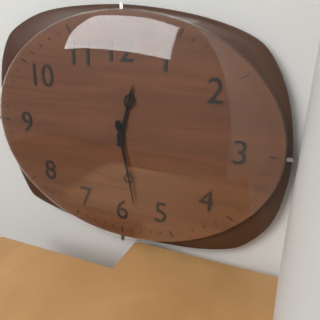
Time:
12.28
